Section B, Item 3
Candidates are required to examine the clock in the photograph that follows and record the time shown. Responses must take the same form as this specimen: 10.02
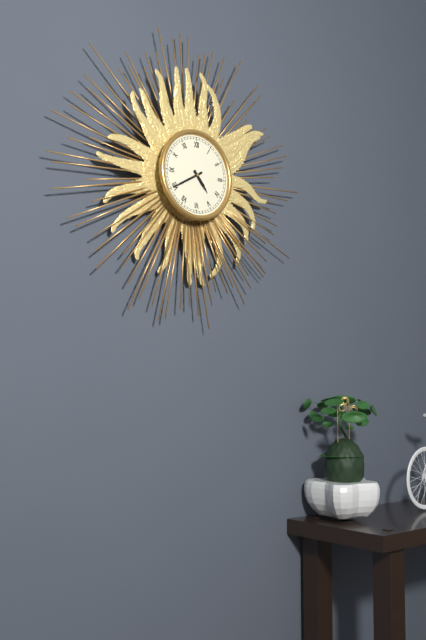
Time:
4.40
